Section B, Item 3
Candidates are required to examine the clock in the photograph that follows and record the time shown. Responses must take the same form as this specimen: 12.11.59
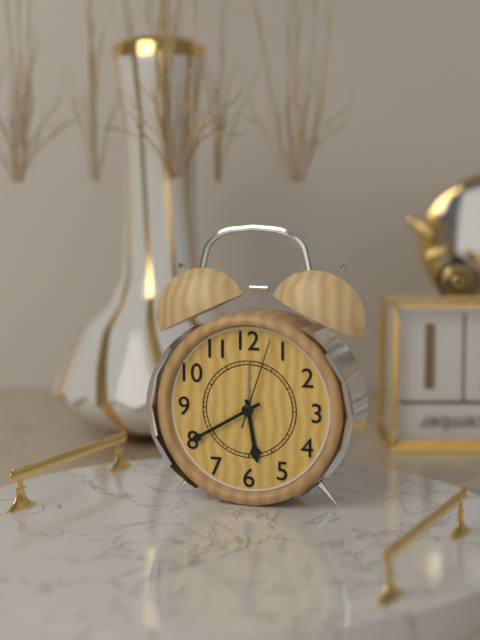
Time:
5.40.03
